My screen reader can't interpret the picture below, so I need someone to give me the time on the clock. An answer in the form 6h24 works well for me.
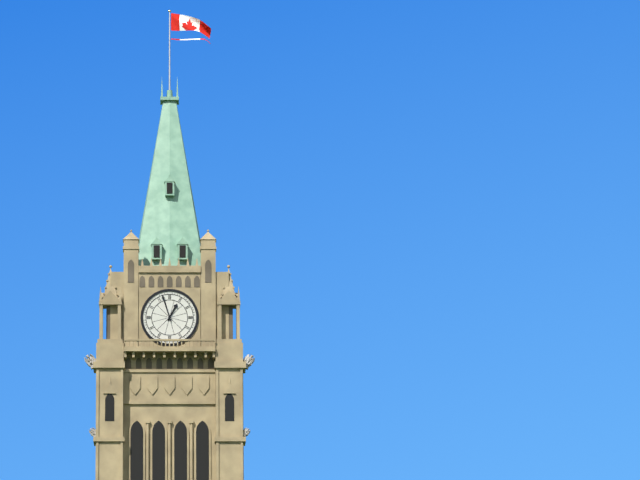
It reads 12h57
